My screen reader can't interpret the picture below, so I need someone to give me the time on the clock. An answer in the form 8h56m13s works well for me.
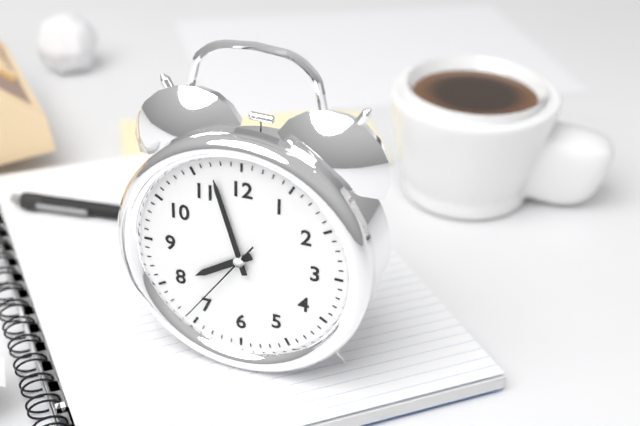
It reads 7h57m36s
